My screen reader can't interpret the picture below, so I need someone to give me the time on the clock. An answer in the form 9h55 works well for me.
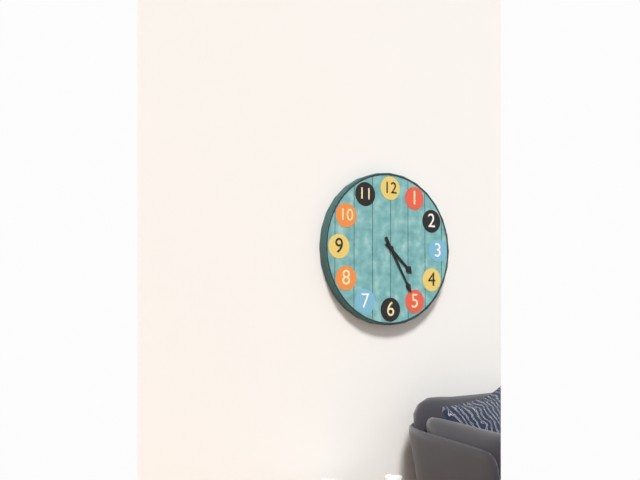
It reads 4h25
